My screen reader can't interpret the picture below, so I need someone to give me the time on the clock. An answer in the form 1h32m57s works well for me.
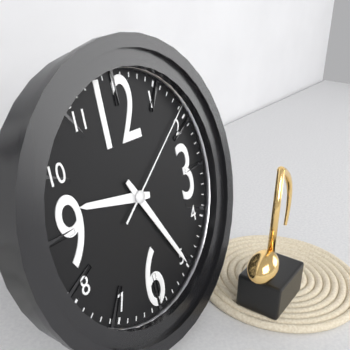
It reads 9h25m09s
